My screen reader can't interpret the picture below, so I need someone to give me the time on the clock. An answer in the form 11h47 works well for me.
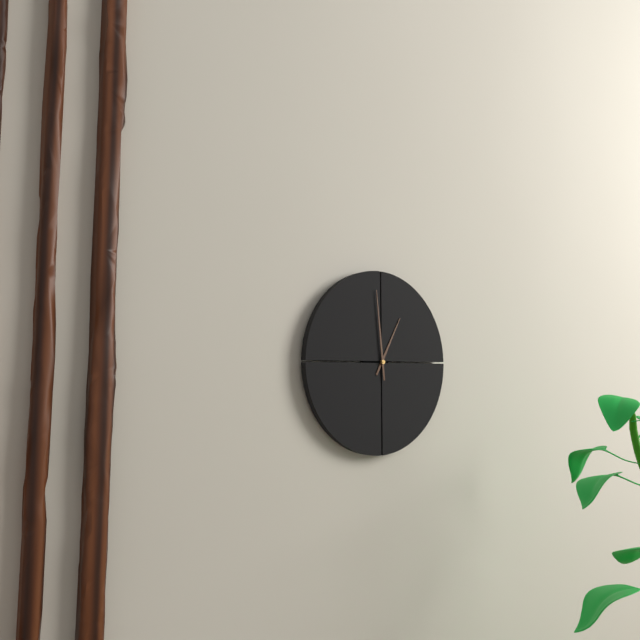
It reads 12h59
